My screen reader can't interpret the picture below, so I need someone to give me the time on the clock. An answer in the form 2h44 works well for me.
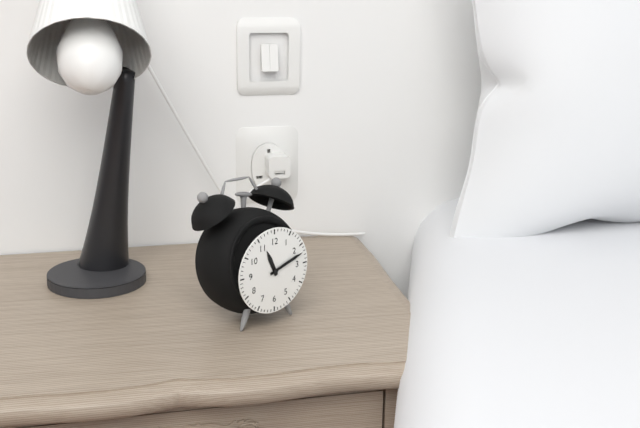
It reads 11h12
